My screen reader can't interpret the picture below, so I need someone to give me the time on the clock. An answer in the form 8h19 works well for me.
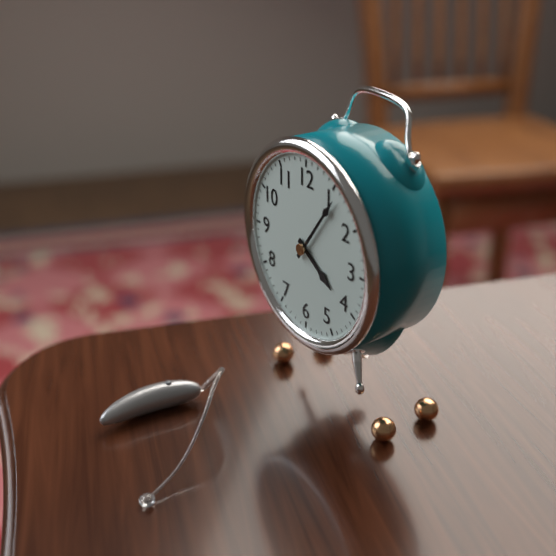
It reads 4h06
